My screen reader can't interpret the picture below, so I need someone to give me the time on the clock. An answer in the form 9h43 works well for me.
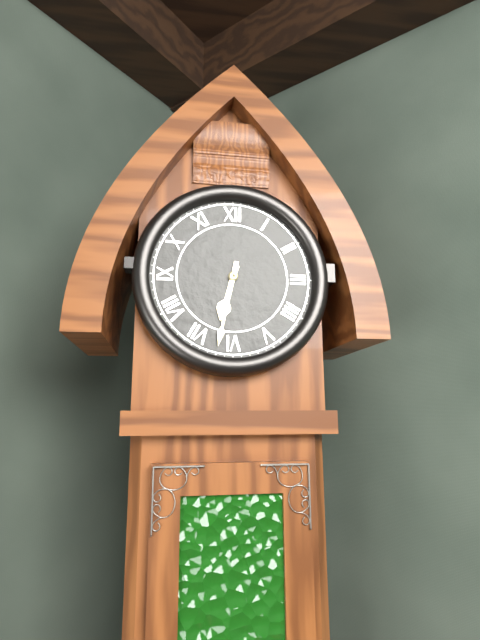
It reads 6h32
